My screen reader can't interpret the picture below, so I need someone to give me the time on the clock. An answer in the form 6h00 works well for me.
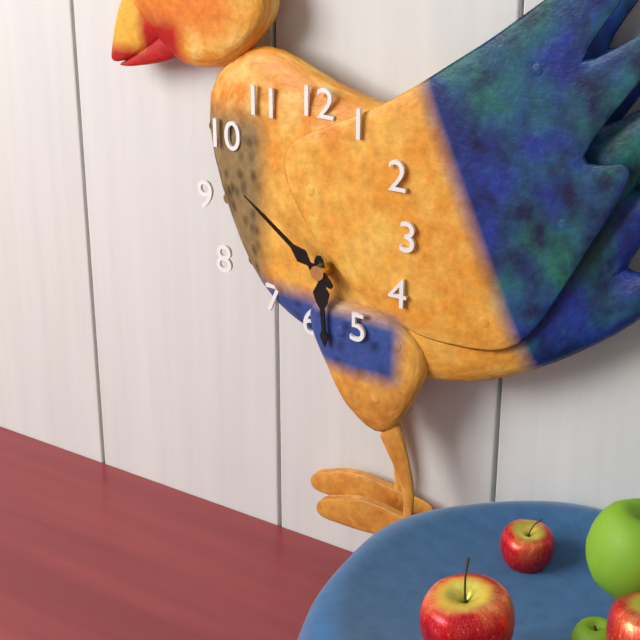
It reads 5h51
